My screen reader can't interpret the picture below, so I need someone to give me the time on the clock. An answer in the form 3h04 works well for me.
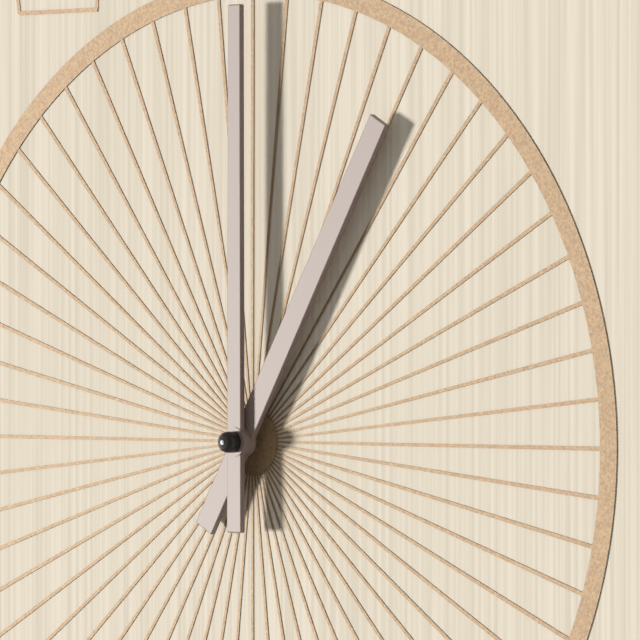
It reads 1h00
